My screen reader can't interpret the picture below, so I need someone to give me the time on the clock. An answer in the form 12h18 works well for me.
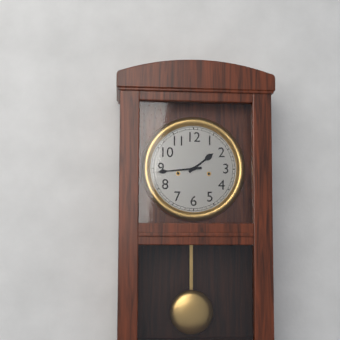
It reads 1h44
